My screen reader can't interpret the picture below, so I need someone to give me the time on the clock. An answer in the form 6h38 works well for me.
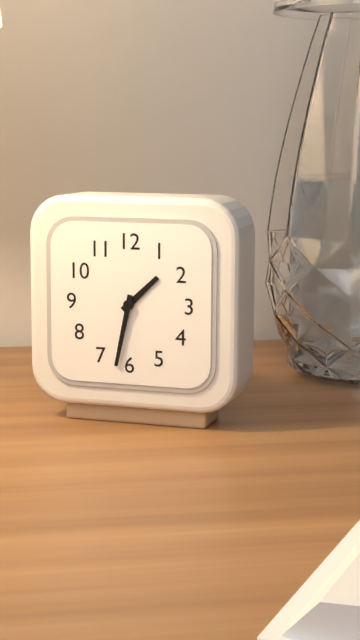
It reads 1h32
